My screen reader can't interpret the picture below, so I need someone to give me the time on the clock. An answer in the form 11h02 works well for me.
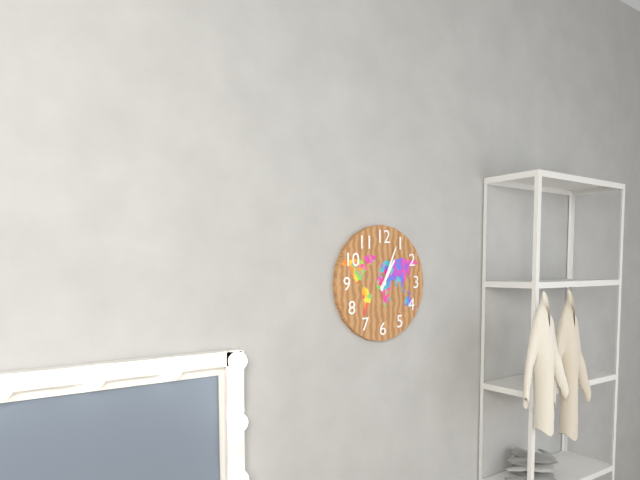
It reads 1h04
